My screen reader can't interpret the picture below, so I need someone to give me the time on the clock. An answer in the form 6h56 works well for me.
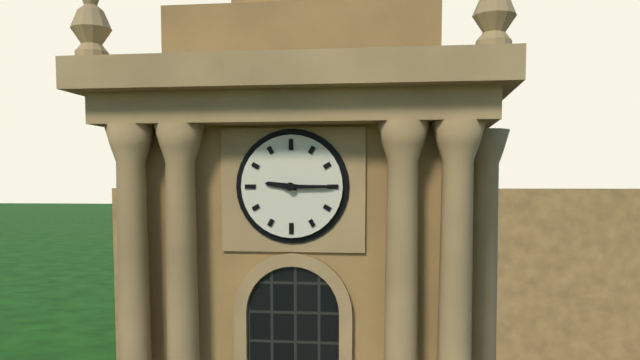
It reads 9h15
